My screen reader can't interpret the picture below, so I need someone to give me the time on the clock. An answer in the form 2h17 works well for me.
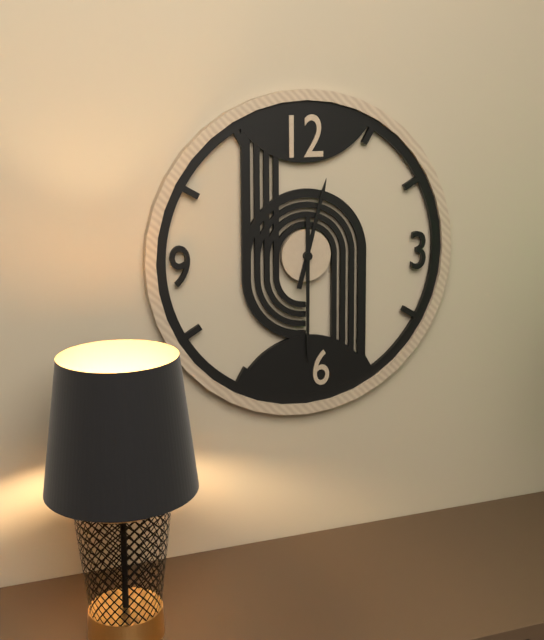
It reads 12h30
